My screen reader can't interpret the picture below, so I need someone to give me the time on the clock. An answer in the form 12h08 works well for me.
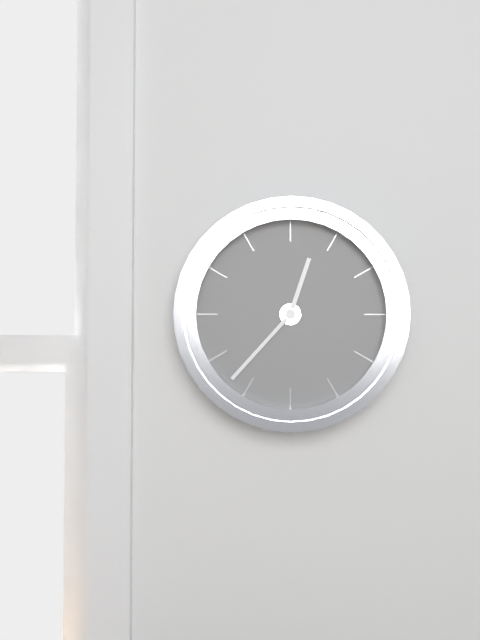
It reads 12h37
